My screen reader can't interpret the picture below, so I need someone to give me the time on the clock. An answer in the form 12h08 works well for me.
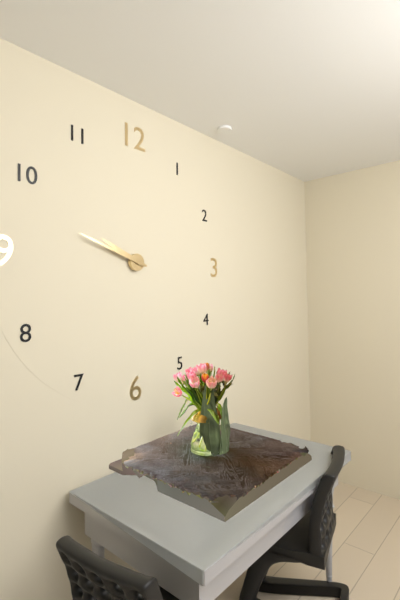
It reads 9h48
